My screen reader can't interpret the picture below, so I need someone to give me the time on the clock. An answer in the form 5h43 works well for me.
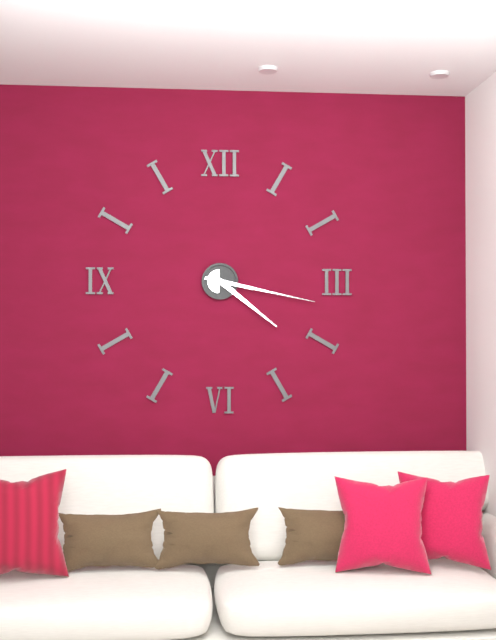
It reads 4h17
